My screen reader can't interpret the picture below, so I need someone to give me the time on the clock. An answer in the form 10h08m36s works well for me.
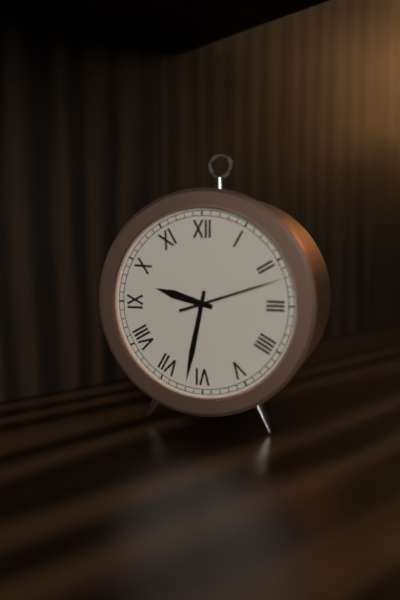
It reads 9h32m12s
